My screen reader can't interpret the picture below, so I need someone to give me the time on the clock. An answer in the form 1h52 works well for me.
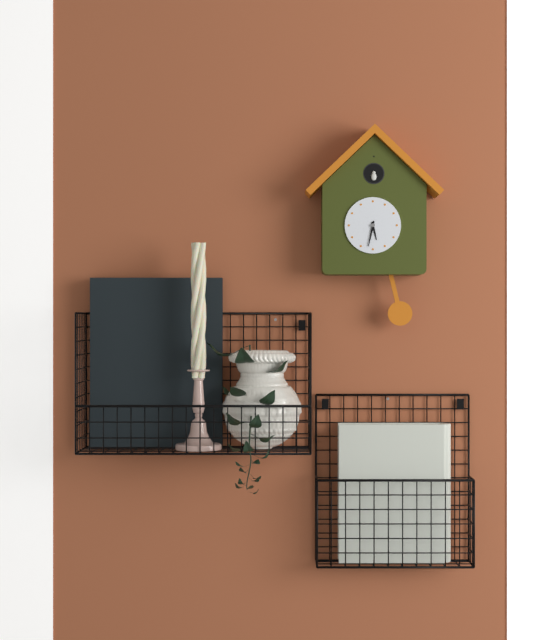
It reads 5h32
